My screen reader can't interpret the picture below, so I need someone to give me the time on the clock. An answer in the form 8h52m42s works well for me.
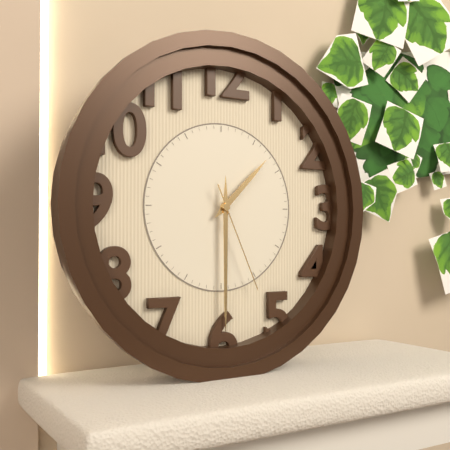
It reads 1h30m26s
